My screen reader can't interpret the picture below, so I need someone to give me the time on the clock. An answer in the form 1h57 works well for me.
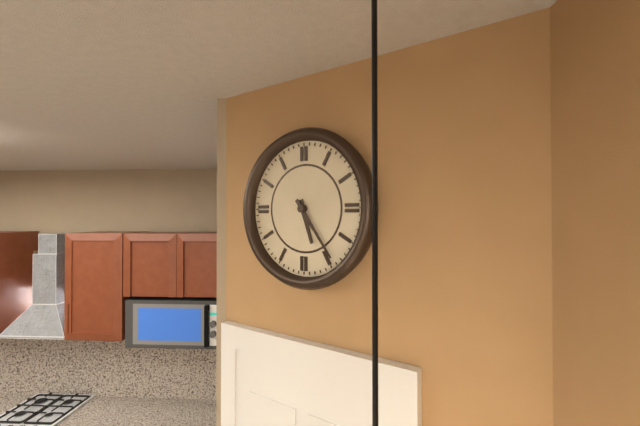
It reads 5h24
